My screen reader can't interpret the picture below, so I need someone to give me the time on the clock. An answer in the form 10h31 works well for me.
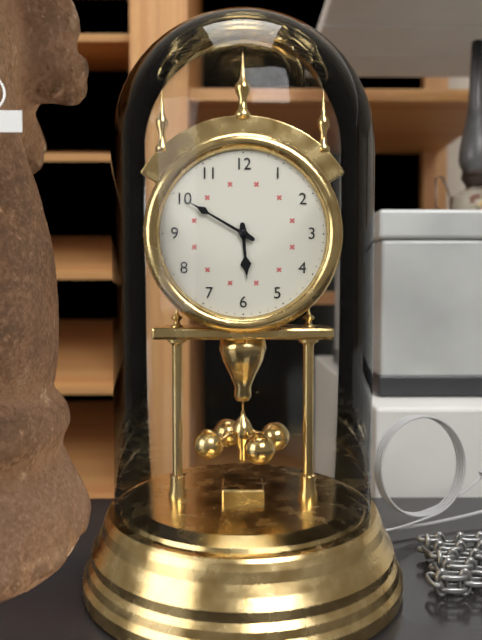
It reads 5h50
